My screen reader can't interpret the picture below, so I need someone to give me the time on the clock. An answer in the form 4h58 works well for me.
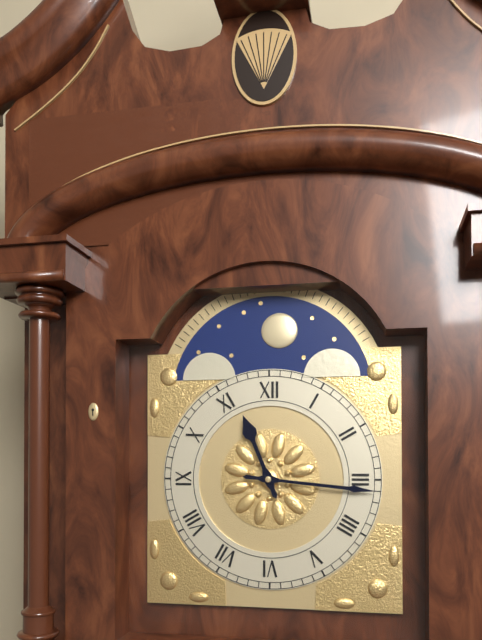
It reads 11h16
